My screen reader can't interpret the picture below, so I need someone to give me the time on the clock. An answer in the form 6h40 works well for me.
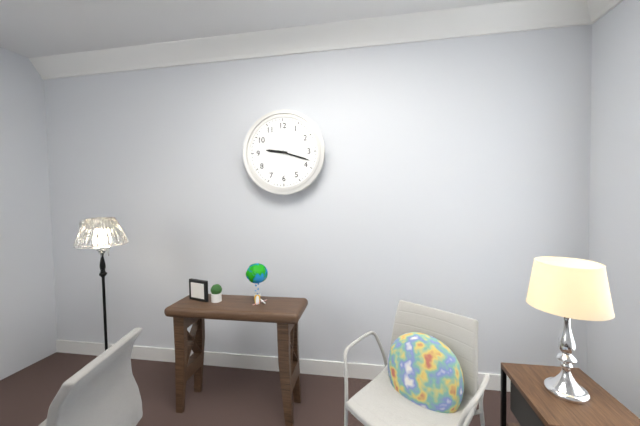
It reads 9h18
